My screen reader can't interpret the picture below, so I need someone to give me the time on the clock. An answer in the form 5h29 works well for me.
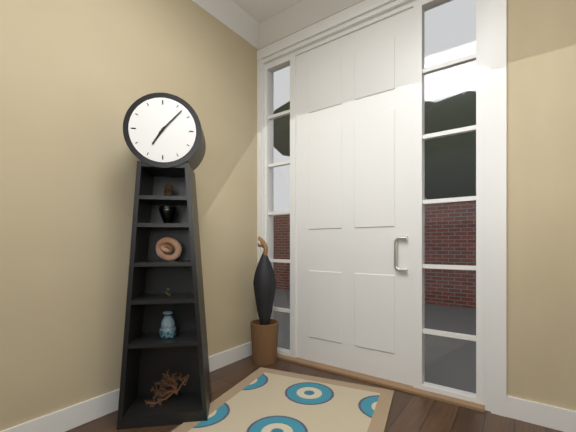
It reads 7h07
